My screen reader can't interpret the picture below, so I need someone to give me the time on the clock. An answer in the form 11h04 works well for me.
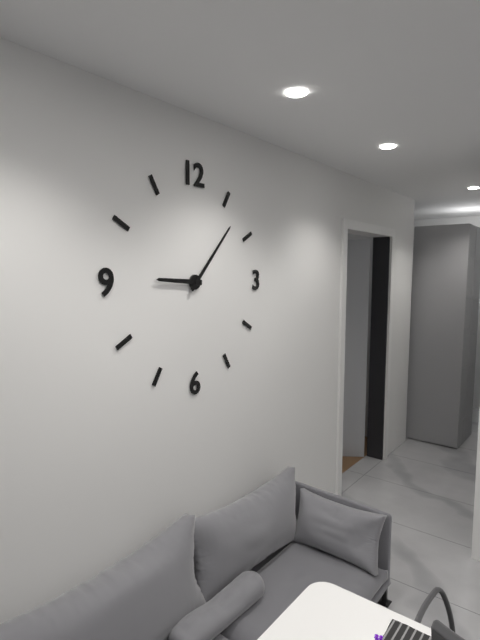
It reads 9h07
